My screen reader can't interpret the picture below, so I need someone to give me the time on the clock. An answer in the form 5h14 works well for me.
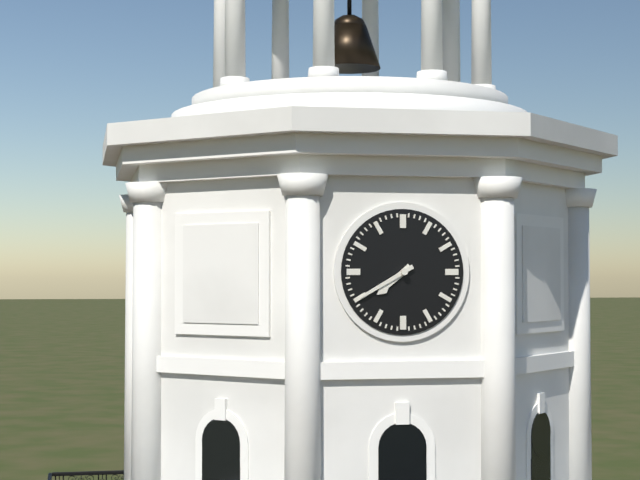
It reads 7h40
